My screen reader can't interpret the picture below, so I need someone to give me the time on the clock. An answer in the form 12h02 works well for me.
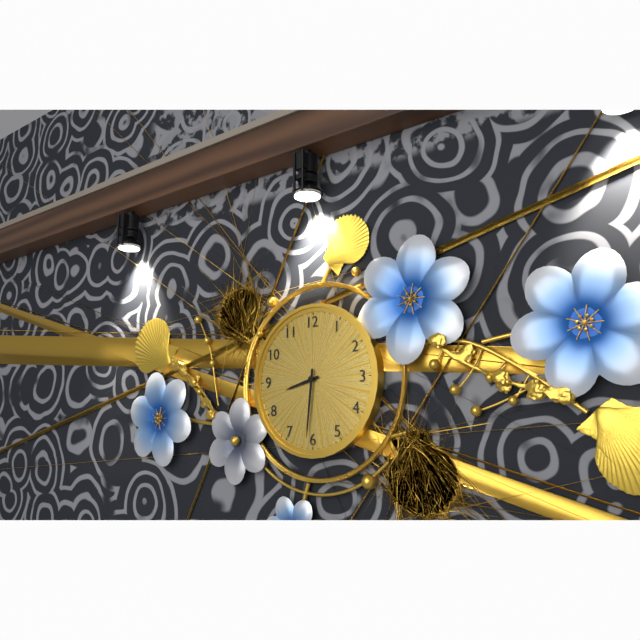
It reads 8h31
